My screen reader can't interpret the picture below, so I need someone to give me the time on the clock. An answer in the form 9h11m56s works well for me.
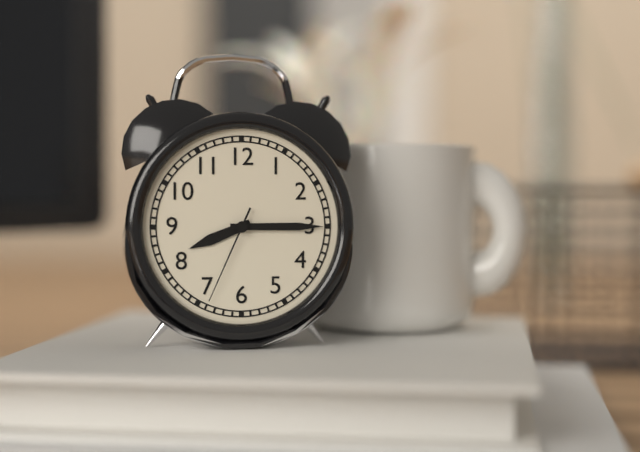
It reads 8h15m34s
